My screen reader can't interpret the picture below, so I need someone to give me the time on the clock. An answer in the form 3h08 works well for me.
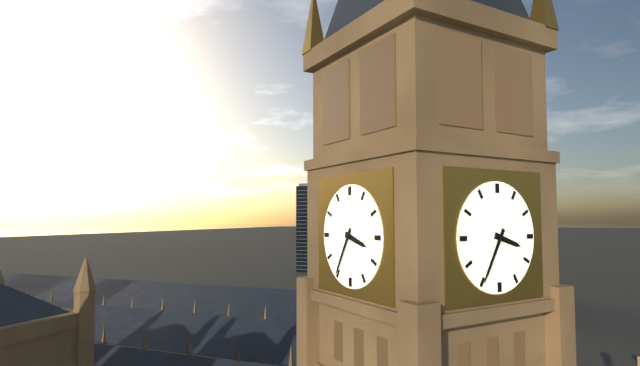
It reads 3h35
